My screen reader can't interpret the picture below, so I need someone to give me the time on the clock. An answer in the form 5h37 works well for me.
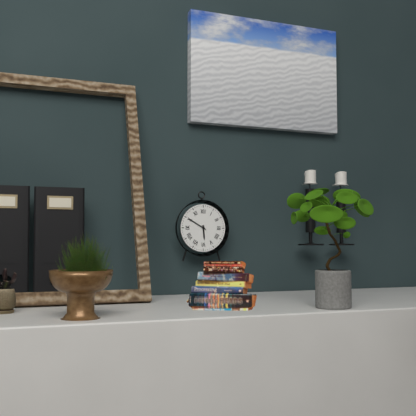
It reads 5h50
